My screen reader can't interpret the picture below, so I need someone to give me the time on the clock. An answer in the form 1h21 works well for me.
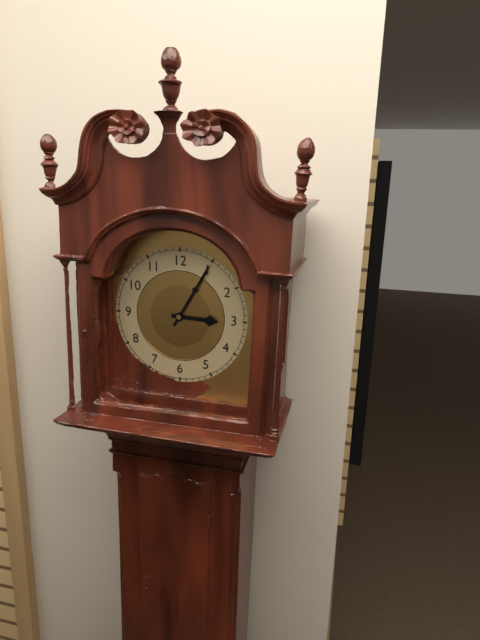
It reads 3h05
